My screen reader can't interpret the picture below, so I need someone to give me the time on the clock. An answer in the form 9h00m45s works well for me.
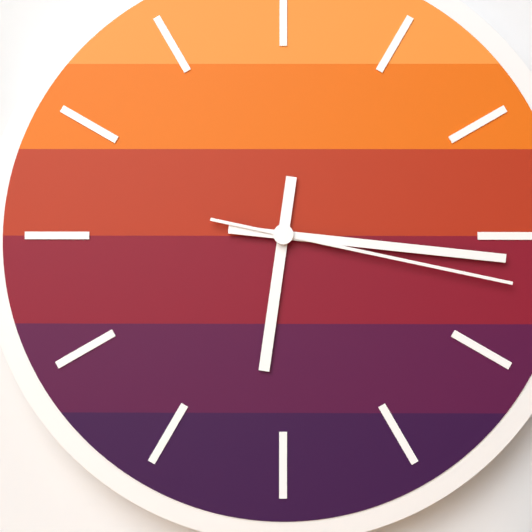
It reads 6h16m17s
